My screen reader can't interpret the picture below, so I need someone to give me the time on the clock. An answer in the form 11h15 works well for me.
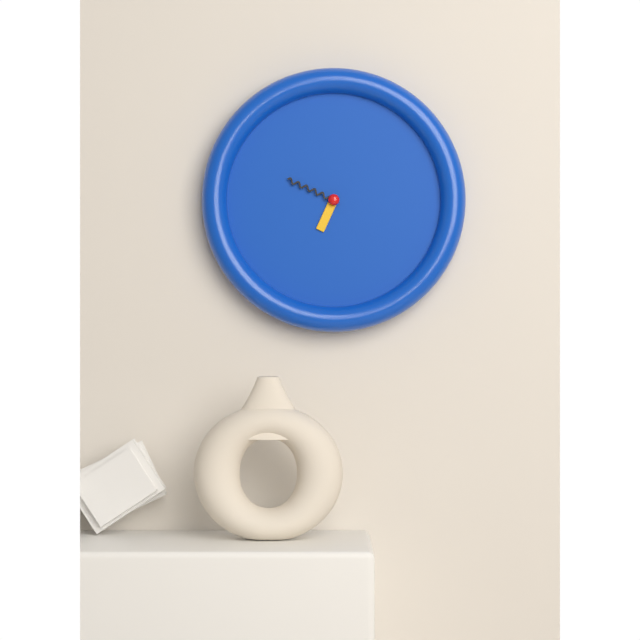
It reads 6h49
